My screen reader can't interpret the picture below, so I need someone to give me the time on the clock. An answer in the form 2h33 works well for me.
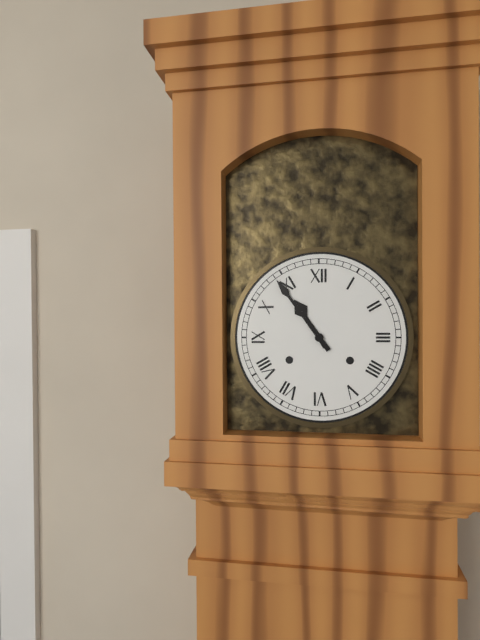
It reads 10h54
